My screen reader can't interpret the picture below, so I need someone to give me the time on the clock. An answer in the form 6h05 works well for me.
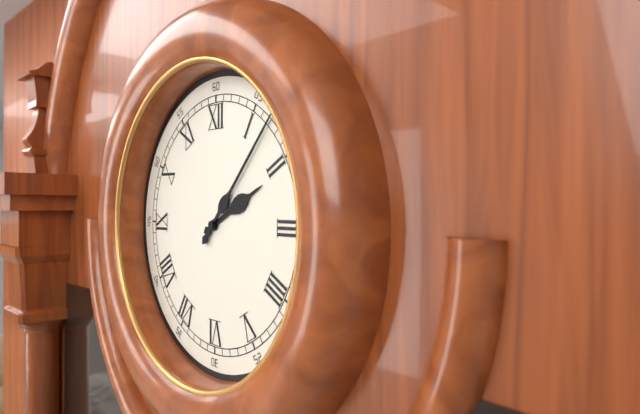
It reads 2h07
